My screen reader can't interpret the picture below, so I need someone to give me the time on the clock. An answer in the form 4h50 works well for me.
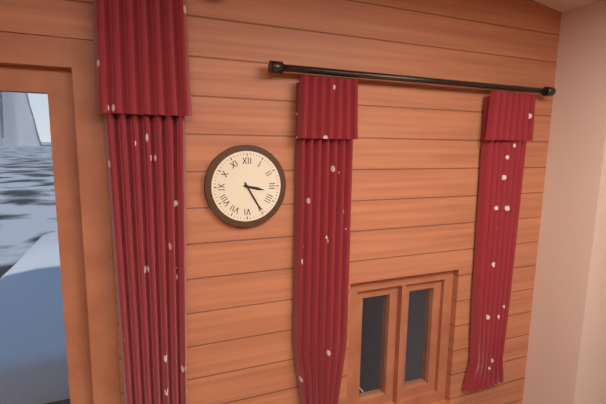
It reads 3h25
